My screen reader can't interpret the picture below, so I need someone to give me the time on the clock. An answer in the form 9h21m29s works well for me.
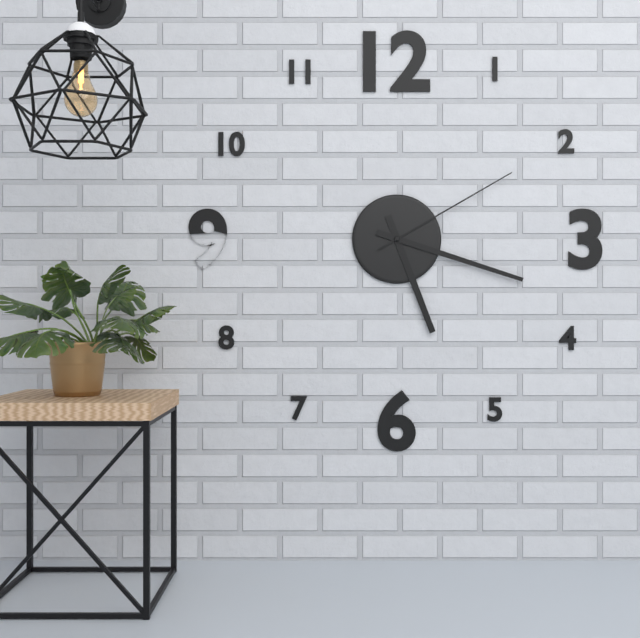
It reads 5h18m10s
